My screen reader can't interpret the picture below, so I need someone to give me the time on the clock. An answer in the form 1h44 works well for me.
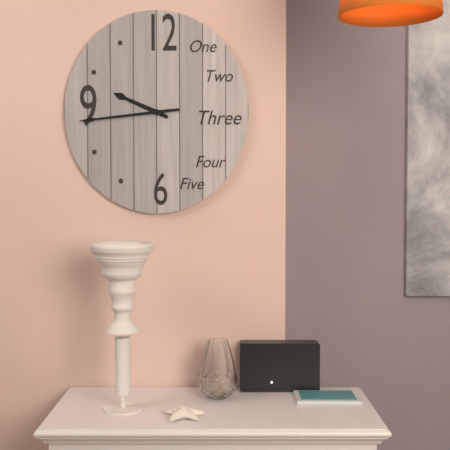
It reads 9h44
